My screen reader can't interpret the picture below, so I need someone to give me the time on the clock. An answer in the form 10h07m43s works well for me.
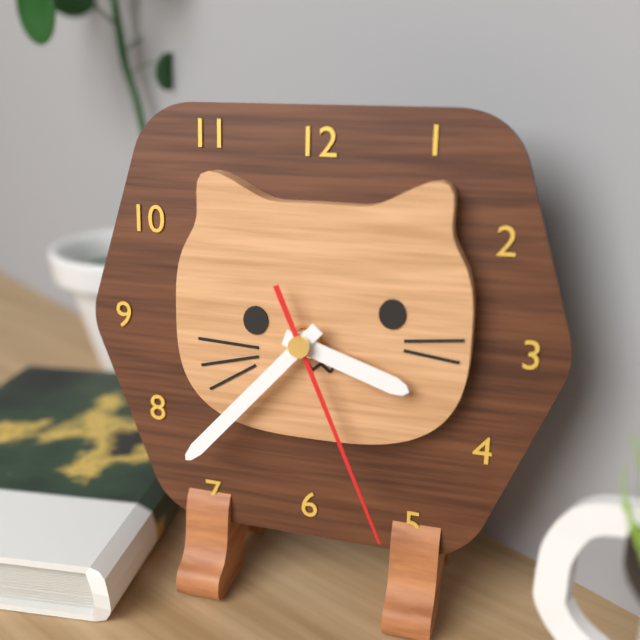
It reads 3h37m26s
